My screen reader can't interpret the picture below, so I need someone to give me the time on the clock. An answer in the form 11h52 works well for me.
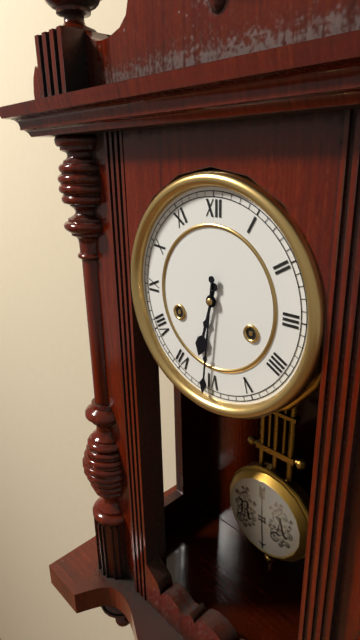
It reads 6h31
